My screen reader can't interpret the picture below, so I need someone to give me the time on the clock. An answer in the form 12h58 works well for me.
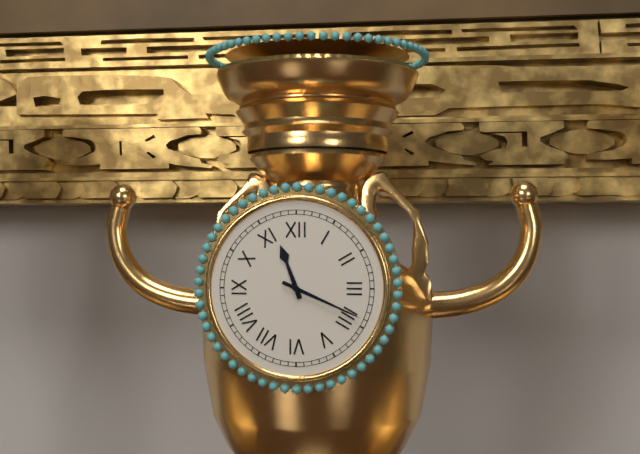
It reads 11h19
